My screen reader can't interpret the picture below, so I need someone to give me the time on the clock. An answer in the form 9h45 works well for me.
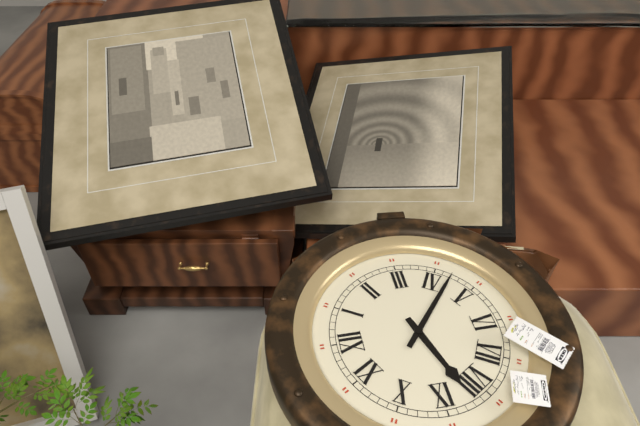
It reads 8h22
